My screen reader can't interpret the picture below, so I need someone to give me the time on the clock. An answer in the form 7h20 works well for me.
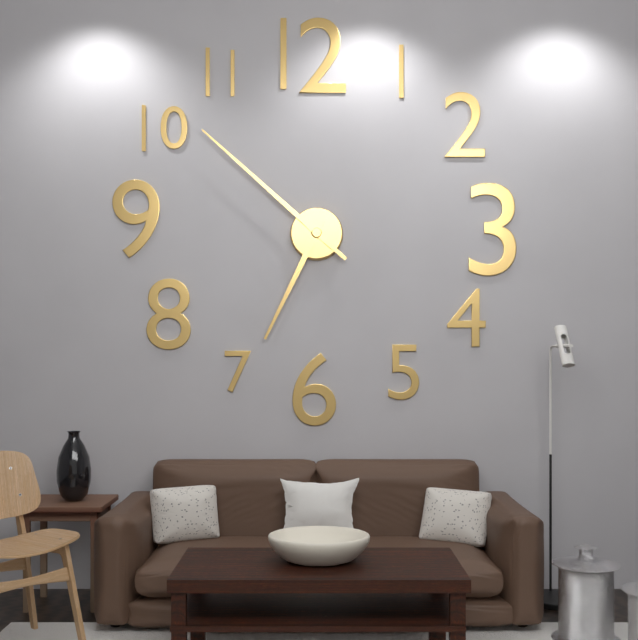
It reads 6h52
